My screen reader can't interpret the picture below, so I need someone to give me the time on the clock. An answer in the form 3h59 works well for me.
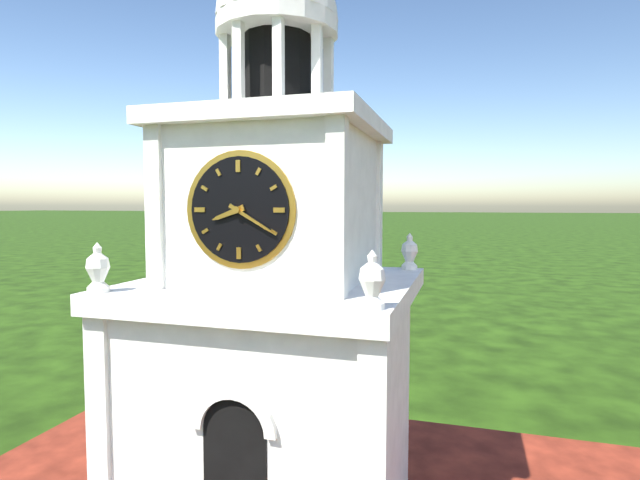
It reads 8h20
